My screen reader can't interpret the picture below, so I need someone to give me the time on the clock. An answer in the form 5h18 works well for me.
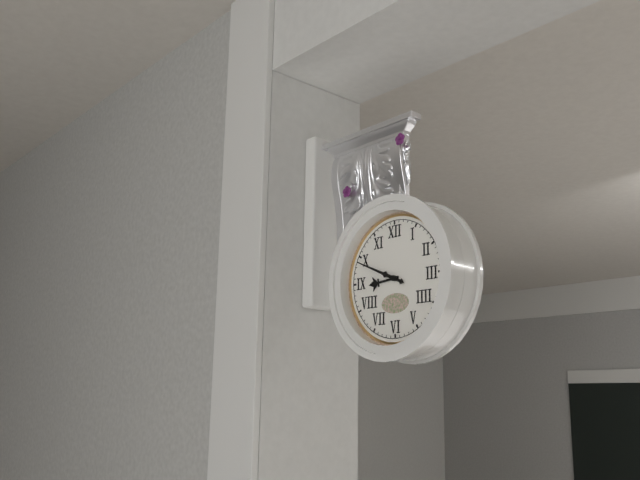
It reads 8h49
